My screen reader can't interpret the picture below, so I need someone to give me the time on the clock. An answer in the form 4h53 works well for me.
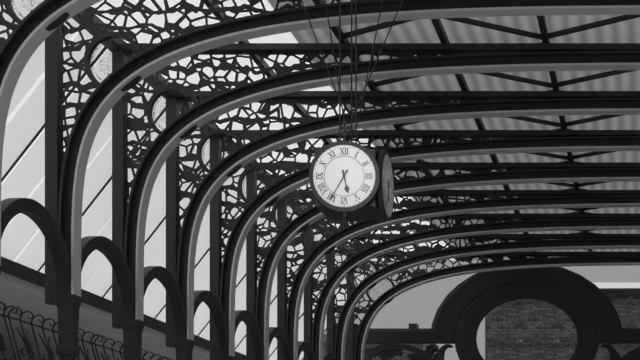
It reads 5h35
